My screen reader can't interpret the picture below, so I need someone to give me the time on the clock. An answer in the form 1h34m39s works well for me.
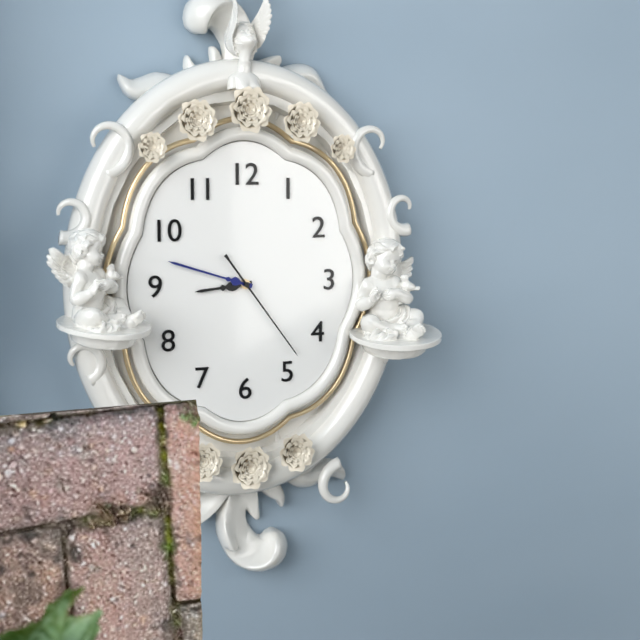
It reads 8h48m24s
